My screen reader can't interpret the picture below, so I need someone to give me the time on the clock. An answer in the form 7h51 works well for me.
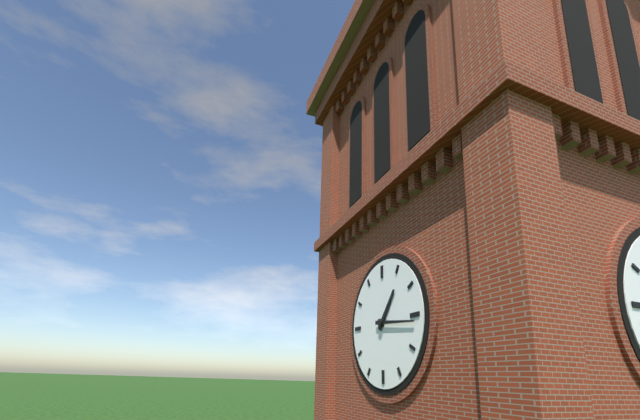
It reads 1h16
